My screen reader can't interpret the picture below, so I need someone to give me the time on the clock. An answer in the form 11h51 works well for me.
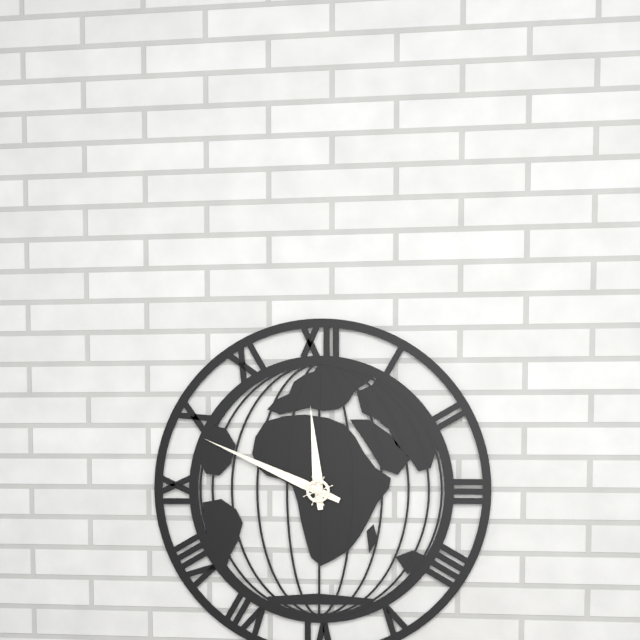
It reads 11h49
